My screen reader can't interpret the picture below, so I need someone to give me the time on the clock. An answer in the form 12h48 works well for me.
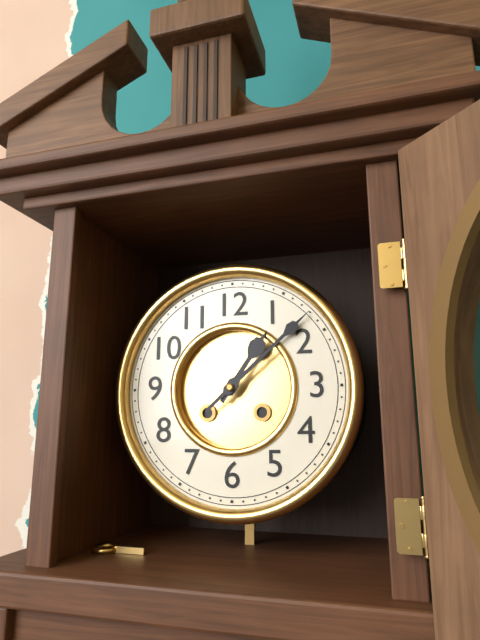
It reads 1h08
